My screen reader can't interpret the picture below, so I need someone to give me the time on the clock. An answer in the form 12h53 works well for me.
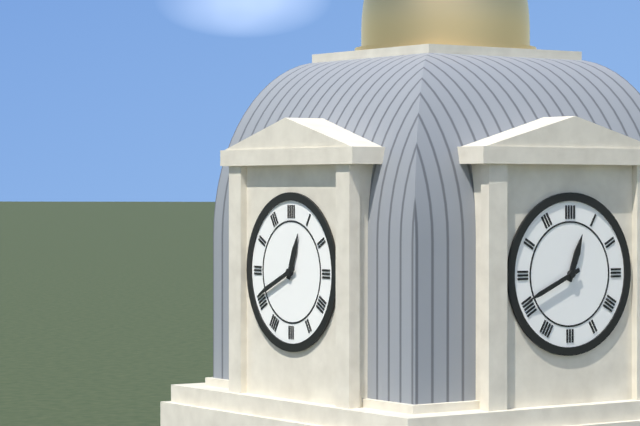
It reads 12h41
